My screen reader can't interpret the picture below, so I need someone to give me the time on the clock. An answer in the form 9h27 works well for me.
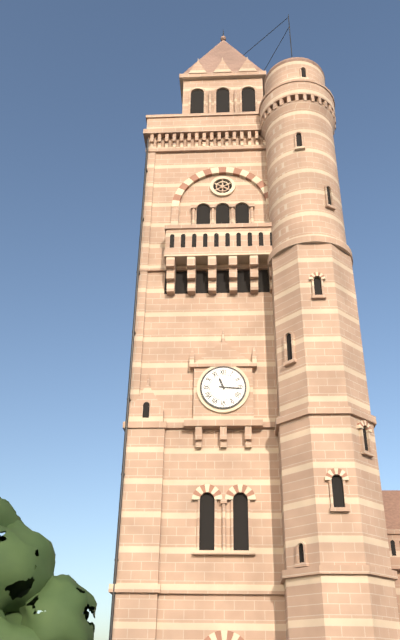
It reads 11h16
